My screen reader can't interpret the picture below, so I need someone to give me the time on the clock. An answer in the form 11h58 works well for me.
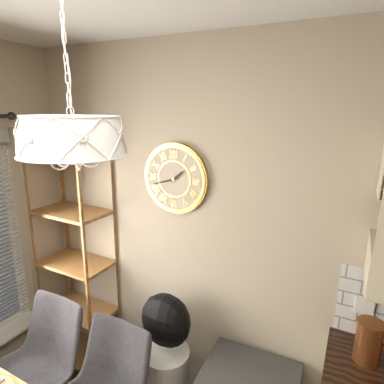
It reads 1h42
